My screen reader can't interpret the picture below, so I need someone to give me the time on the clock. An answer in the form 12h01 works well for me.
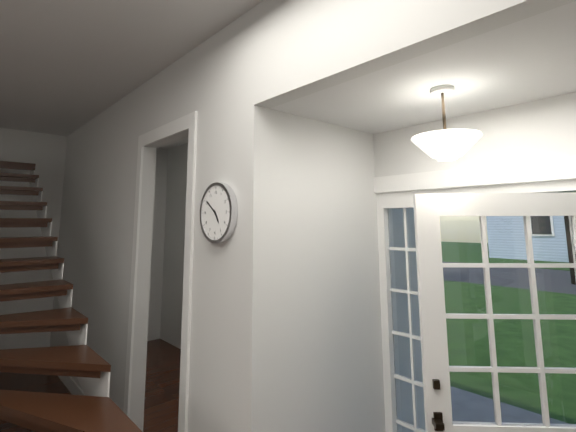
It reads 4h51
